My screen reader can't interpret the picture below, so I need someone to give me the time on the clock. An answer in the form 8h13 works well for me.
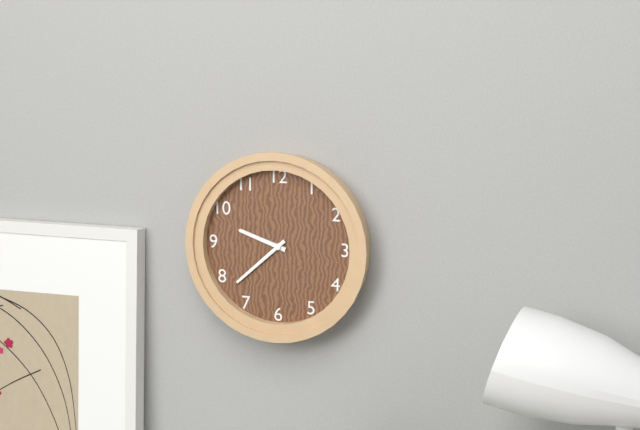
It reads 9h38
